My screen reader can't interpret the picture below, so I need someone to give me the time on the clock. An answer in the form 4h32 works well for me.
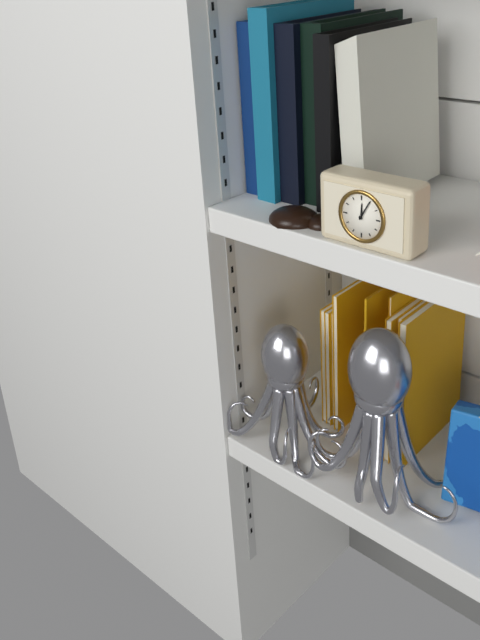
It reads 12h05
